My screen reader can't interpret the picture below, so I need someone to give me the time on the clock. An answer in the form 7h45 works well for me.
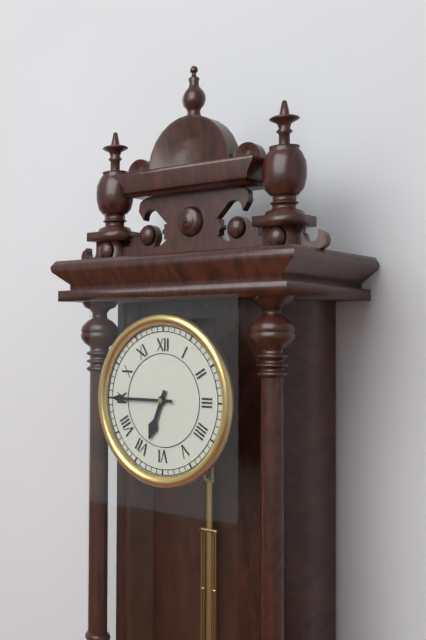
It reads 6h45
